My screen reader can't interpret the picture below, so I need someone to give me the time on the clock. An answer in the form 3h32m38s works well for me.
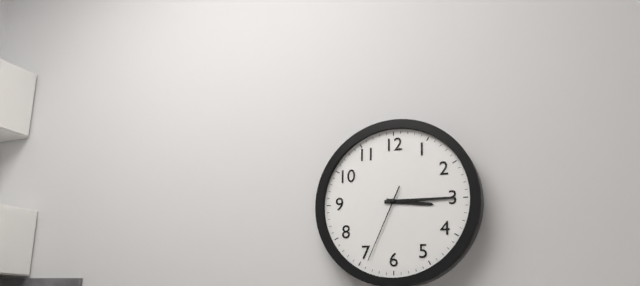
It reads 3h15m34s
